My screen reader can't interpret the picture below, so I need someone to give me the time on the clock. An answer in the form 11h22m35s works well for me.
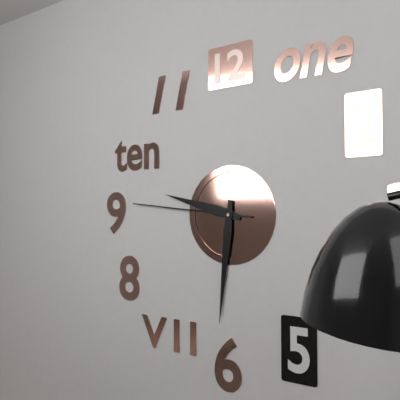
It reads 9h31m46s
